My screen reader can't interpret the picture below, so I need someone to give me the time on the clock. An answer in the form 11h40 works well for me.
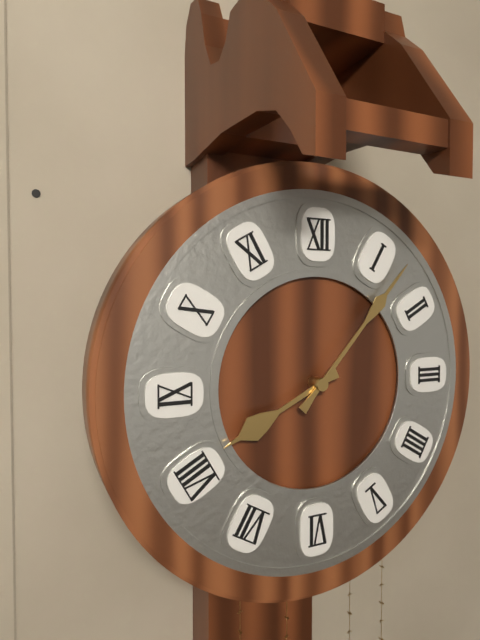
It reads 8h07
